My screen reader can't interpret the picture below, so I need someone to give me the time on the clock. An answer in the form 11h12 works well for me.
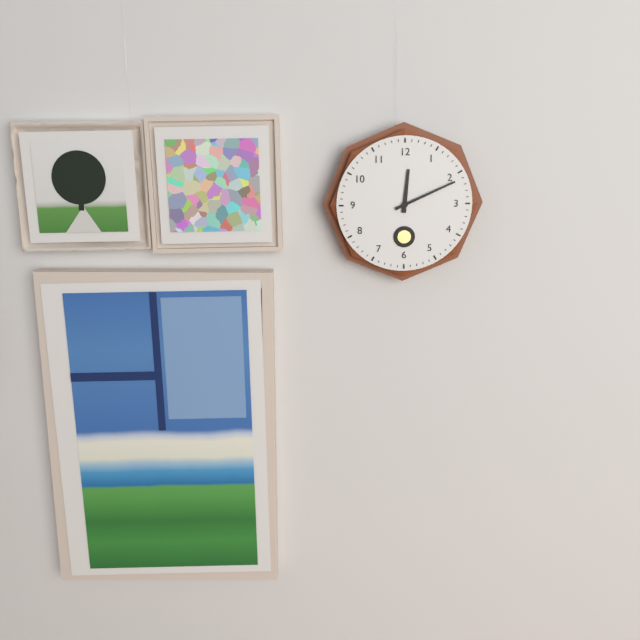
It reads 12h11
